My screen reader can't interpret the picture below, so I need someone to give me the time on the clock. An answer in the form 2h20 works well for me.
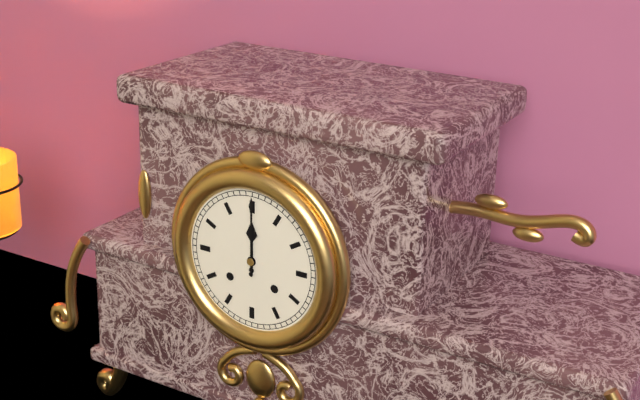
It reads 12h00
